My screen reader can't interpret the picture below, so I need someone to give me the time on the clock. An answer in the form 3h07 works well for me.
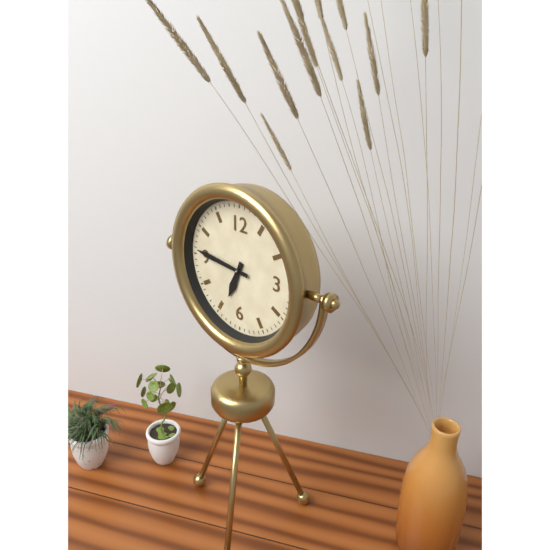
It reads 6h46
